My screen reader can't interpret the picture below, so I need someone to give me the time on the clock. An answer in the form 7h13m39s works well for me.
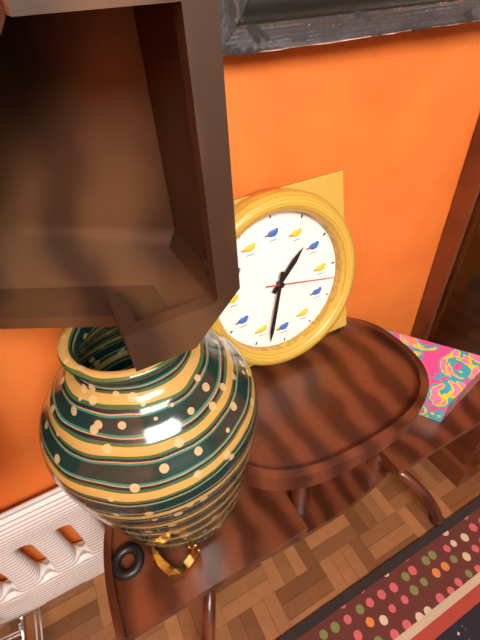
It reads 1h33m17s
